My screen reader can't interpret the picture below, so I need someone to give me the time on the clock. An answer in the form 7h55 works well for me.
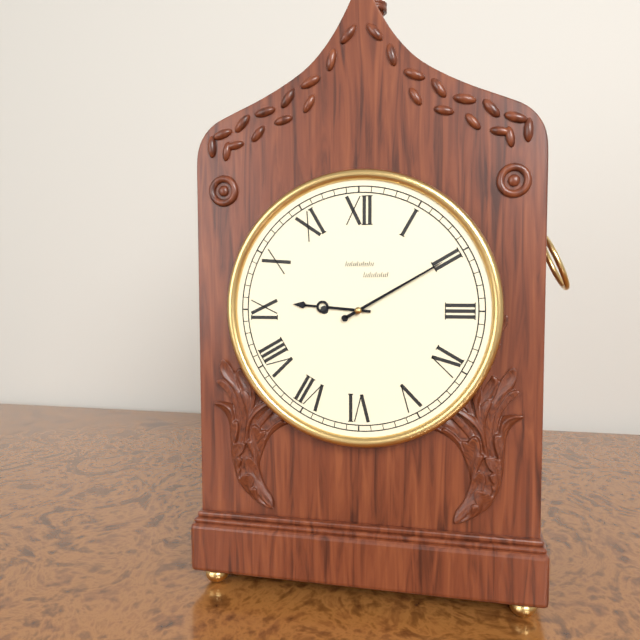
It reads 9h10
